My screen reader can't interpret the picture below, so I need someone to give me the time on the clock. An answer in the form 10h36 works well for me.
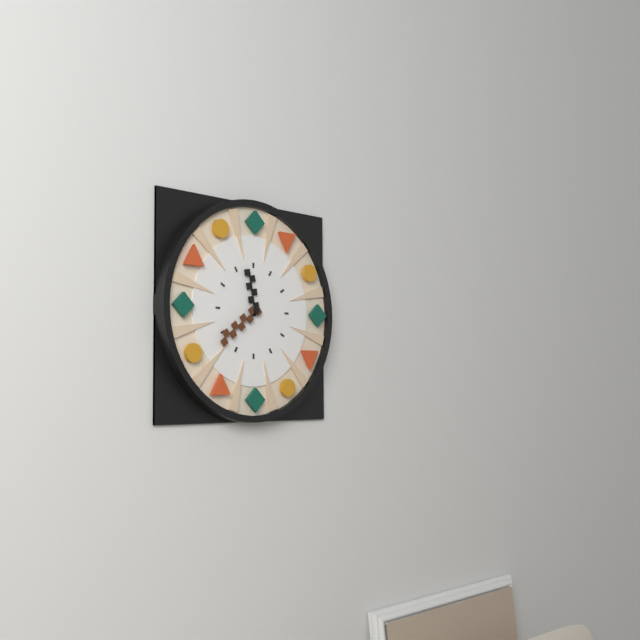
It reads 11h39
